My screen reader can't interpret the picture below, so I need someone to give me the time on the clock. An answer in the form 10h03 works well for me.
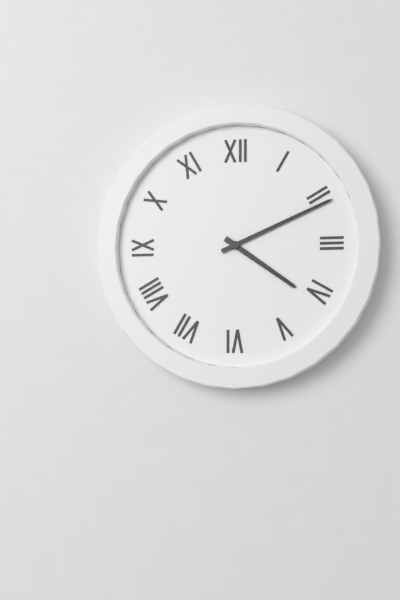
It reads 4h11
